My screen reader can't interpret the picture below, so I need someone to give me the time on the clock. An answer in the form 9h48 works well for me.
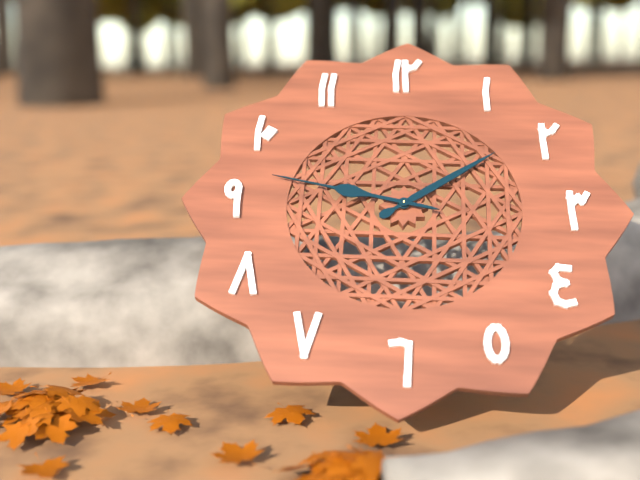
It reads 1h47
